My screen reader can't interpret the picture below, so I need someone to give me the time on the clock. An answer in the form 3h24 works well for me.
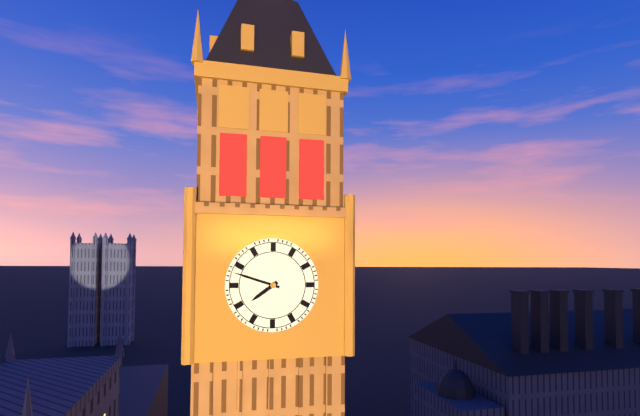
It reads 7h48
